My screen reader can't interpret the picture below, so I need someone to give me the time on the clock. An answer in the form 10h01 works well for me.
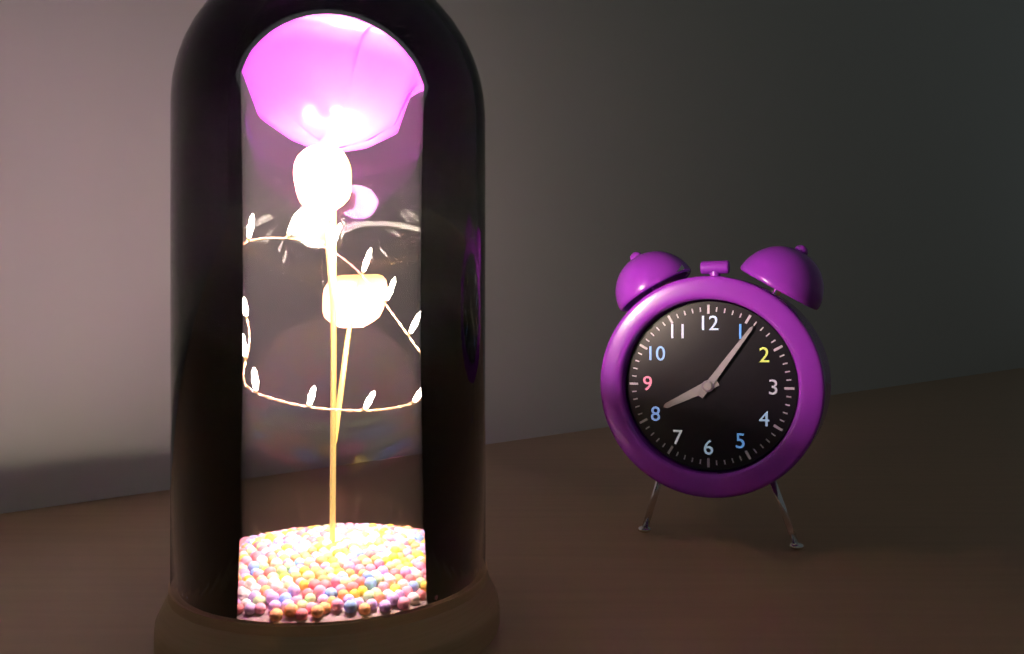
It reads 8h06
